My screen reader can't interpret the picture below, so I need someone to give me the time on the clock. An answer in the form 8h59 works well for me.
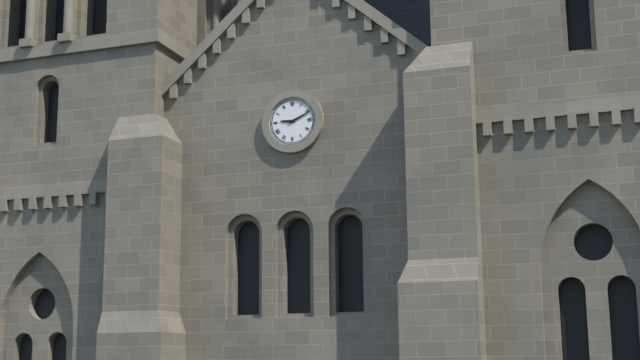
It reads 9h11
